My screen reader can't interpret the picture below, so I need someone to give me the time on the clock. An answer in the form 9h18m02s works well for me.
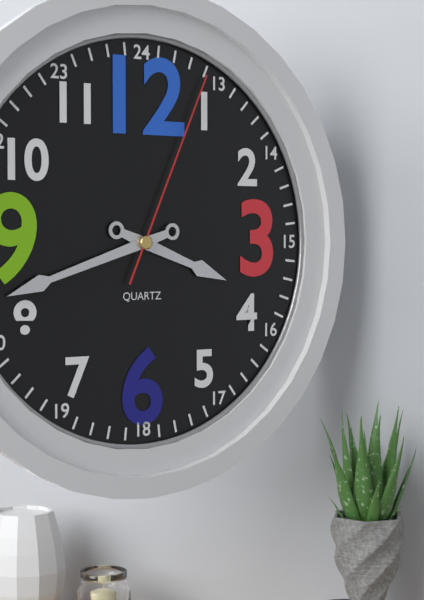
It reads 3h42m04s
